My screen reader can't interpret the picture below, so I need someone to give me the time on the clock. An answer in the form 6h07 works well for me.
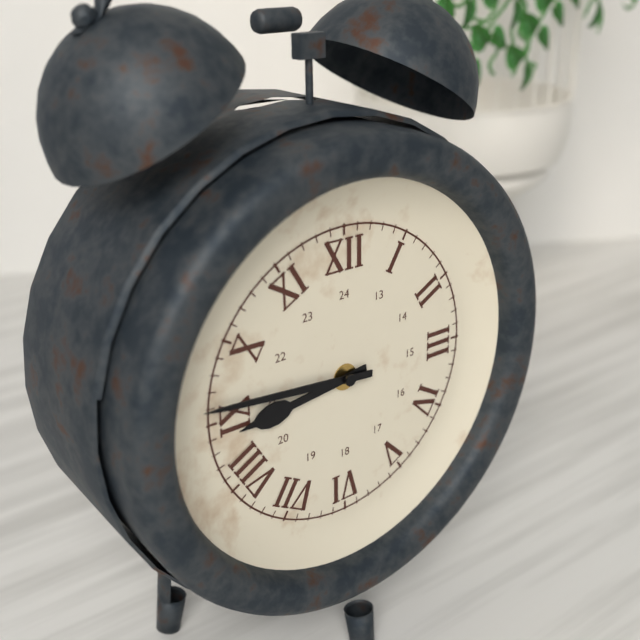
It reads 8h46
